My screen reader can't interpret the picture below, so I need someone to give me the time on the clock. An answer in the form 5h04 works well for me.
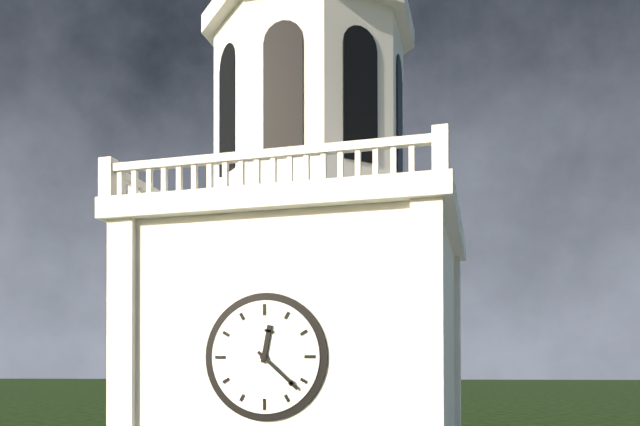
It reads 12h22
